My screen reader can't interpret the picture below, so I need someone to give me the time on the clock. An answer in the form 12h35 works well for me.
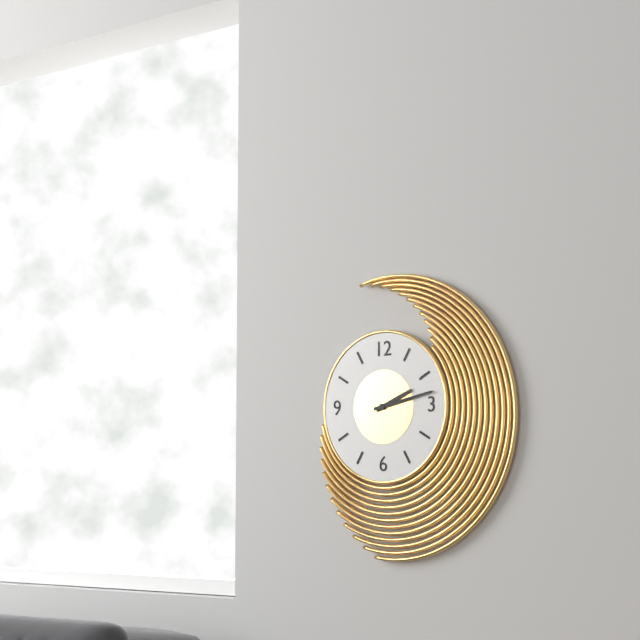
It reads 2h13
